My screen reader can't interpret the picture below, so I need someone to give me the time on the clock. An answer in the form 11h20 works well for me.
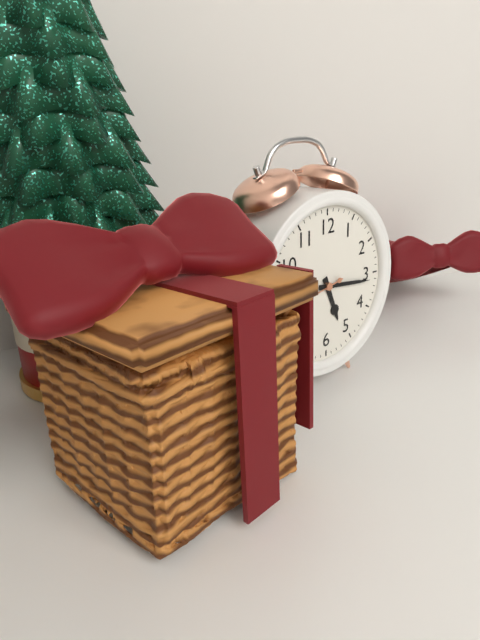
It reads 5h16
